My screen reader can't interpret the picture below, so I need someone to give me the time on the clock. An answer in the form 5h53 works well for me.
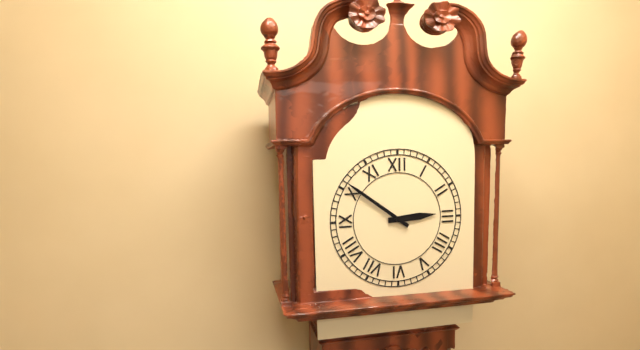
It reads 2h51
